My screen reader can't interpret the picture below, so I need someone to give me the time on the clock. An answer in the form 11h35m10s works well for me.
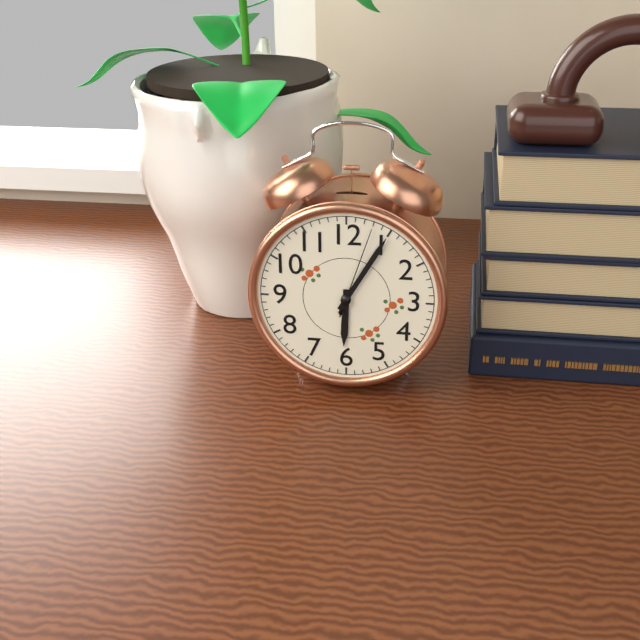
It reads 6h05m03s
